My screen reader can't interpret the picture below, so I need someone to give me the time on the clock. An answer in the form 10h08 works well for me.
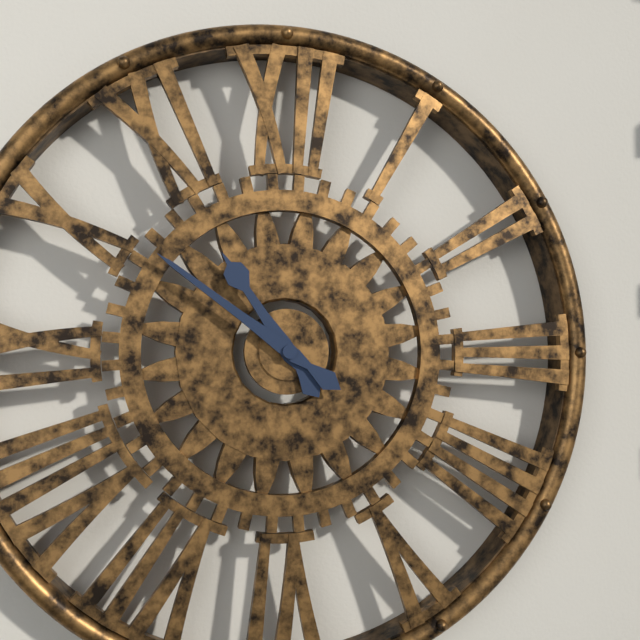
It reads 10h51
